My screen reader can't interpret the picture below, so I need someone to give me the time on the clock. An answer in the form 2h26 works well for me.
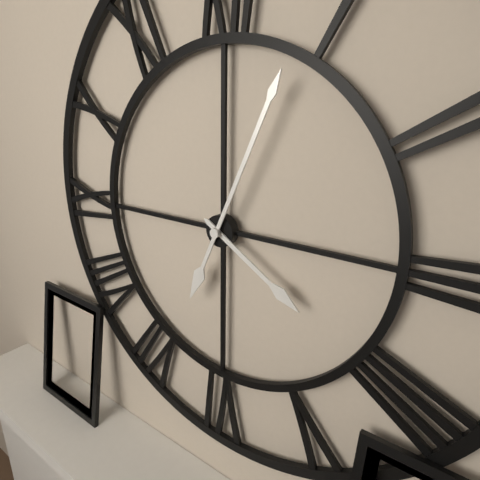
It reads 4h04
